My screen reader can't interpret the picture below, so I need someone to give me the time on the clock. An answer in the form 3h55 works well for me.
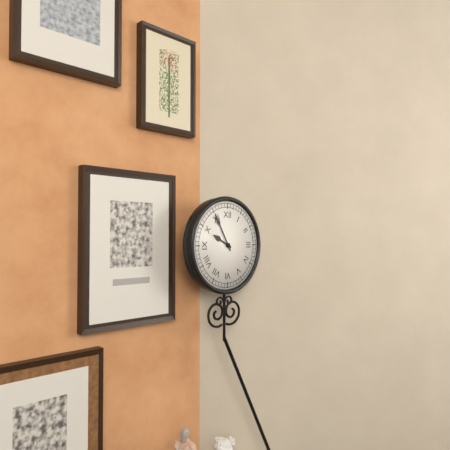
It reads 9h55
